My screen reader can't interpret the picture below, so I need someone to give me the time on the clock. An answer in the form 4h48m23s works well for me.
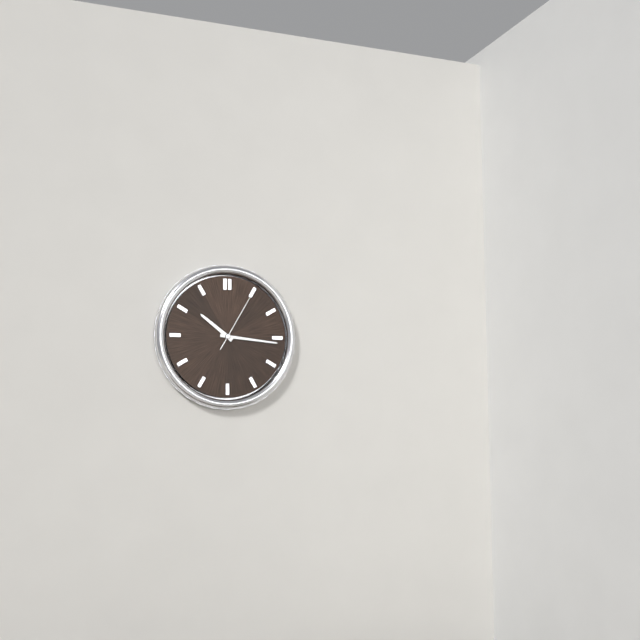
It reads 10h16m05s
